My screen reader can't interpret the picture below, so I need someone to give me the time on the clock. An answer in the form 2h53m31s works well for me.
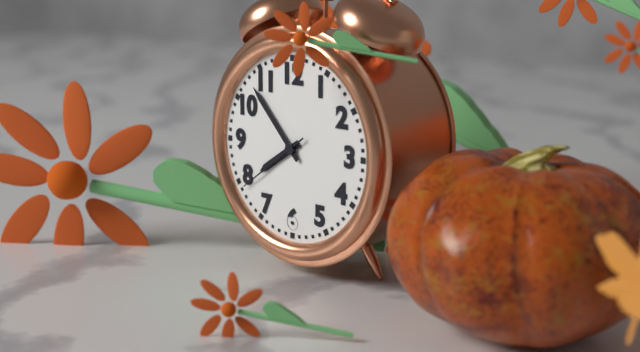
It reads 7h53m39s
